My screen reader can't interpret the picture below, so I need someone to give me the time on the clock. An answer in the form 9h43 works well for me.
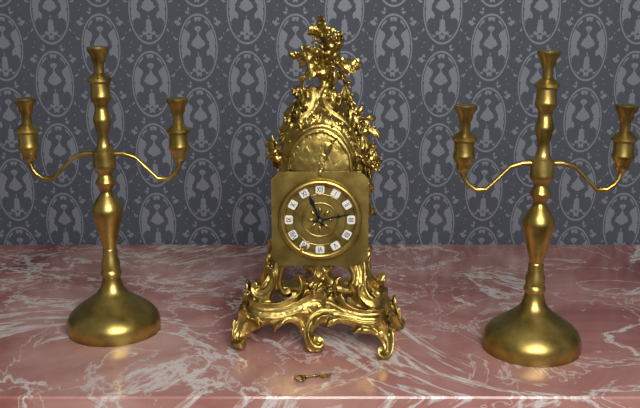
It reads 11h13
